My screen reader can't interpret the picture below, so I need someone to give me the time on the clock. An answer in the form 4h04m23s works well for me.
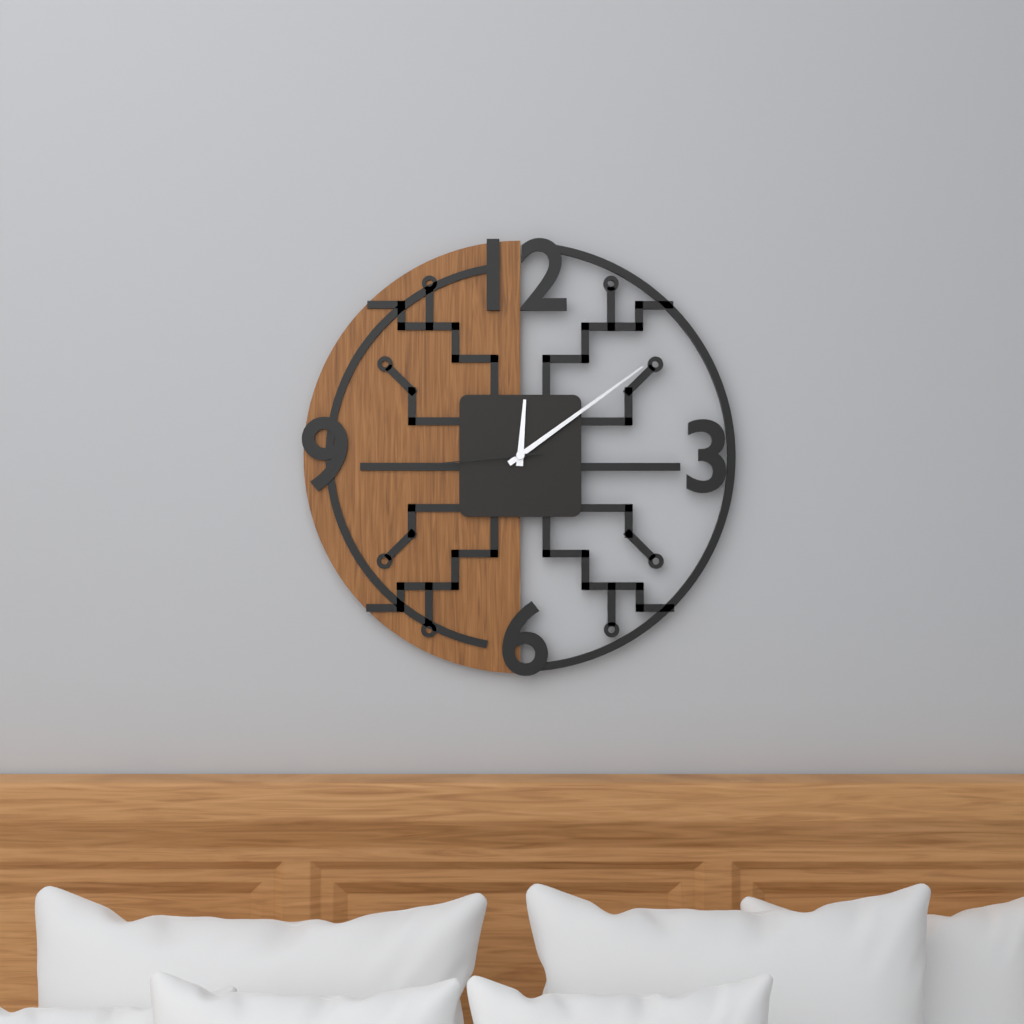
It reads 12h09m44s
